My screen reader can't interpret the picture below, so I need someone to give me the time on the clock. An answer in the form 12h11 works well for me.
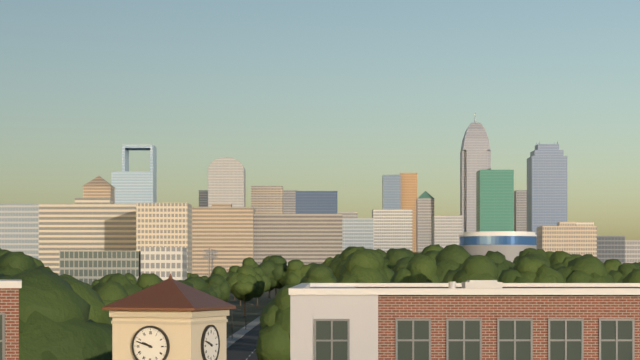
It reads 9h48
